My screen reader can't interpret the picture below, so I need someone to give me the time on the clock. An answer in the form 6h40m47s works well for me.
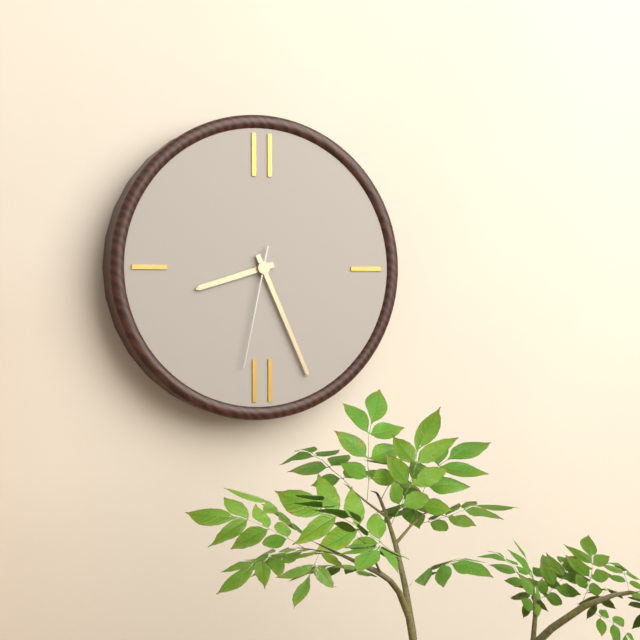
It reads 8h26m32s
